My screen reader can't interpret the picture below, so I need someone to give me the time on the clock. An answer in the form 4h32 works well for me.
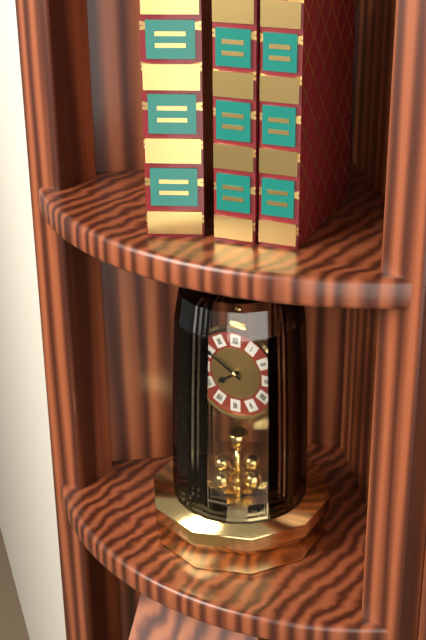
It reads 7h50
